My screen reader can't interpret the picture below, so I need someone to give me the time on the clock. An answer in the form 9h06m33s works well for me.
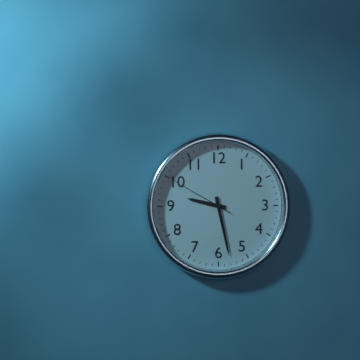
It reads 9h28m50s
